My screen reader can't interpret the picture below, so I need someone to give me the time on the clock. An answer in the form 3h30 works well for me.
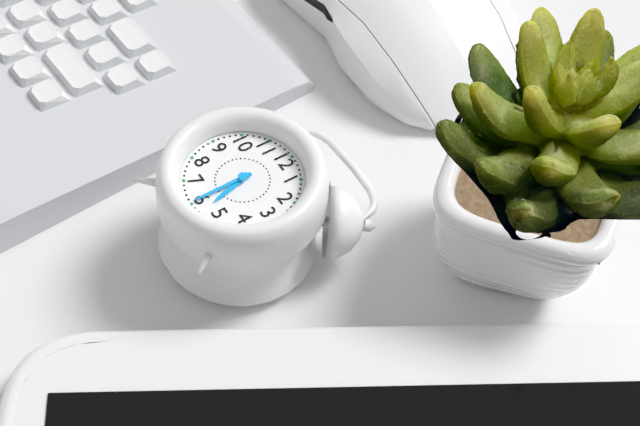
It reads 5h30
